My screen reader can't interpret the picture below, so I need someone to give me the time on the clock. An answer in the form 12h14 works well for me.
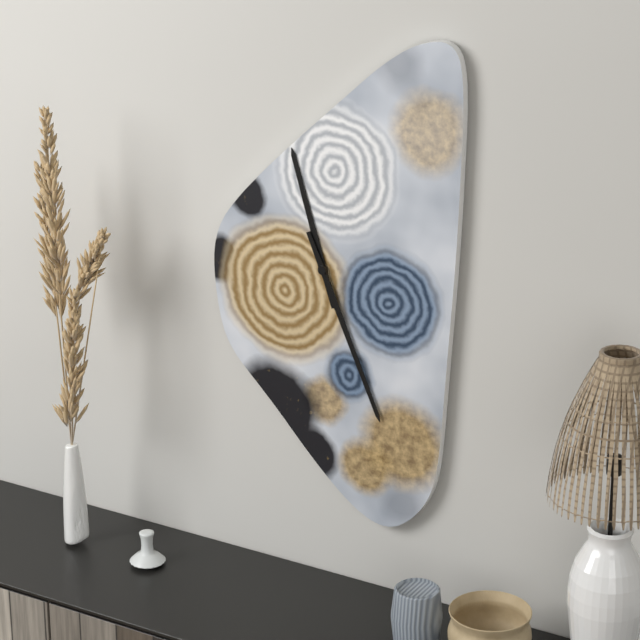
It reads 11h26
